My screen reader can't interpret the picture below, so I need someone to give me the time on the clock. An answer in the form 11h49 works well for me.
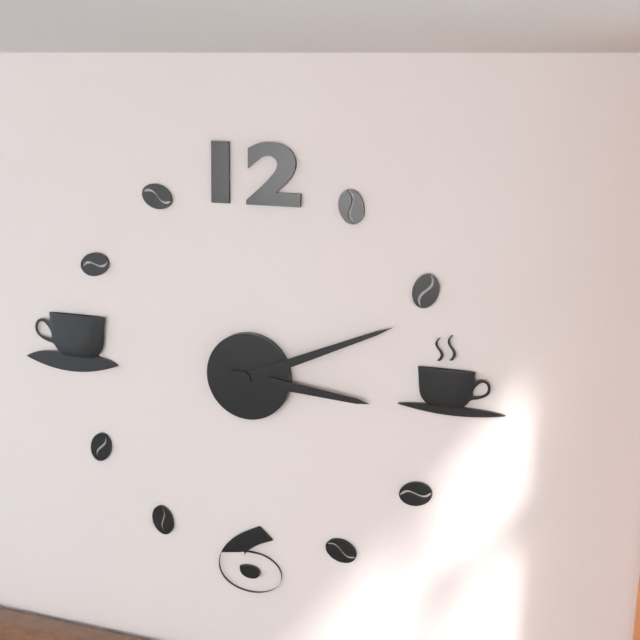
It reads 3h11
